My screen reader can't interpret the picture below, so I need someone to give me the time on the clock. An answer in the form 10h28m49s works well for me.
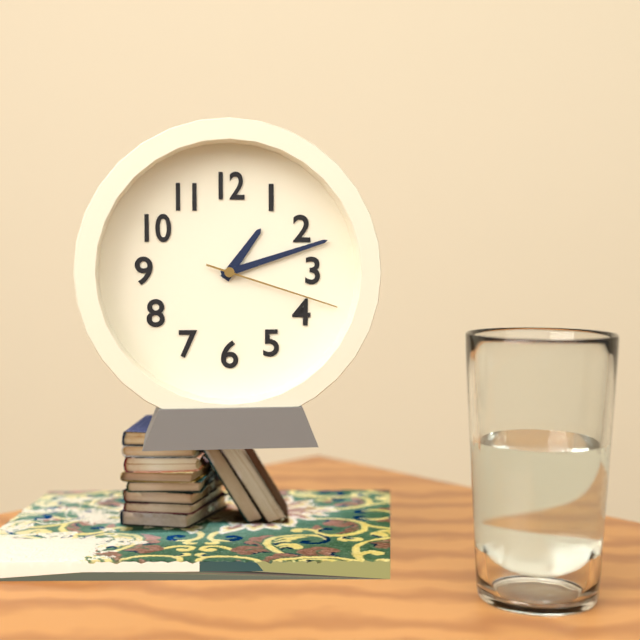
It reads 1h12m18s
